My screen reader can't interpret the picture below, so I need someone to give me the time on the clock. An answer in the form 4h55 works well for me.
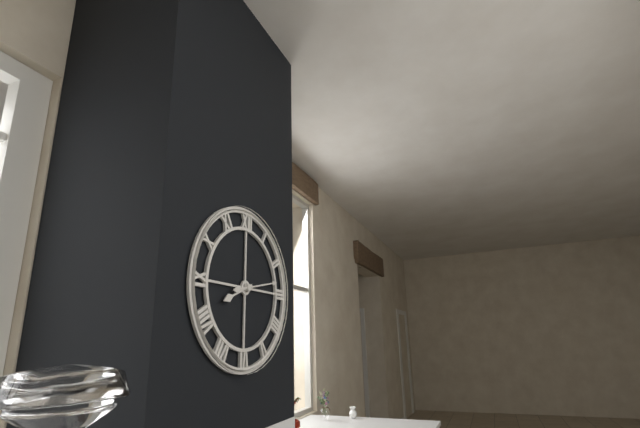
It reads 8h13
